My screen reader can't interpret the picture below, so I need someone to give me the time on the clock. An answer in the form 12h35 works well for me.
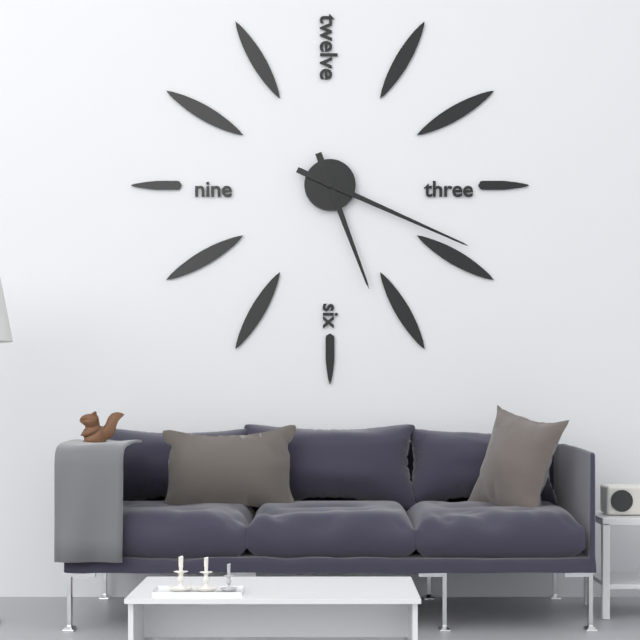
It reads 5h19
